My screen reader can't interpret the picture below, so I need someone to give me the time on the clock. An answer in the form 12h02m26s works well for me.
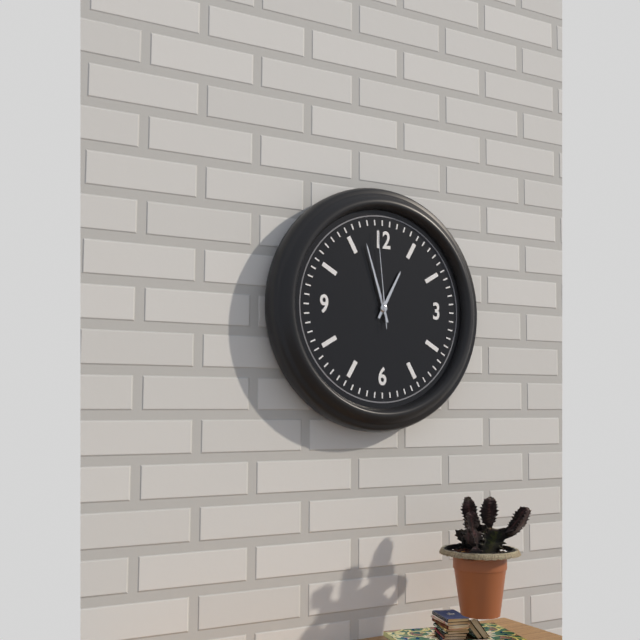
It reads 12h57m59s
